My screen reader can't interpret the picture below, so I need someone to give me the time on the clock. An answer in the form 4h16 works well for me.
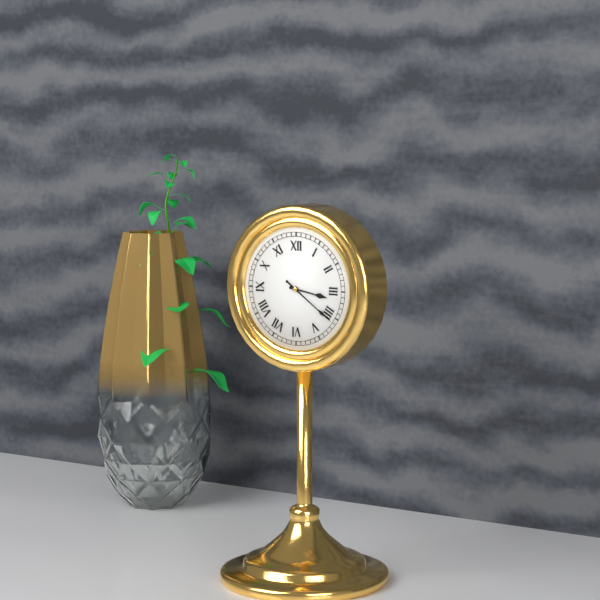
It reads 3h21
